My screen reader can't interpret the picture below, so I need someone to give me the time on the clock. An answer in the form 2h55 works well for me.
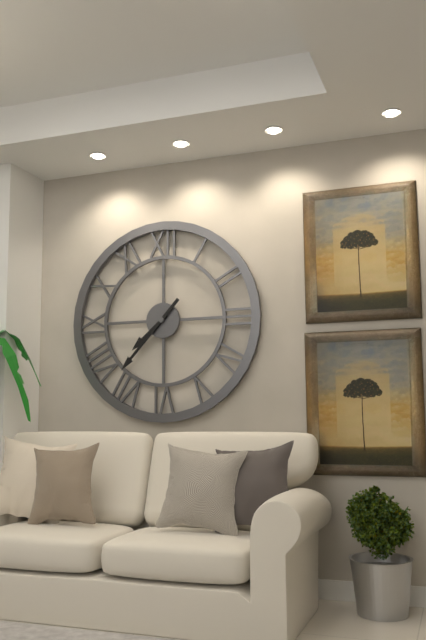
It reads 7h37
